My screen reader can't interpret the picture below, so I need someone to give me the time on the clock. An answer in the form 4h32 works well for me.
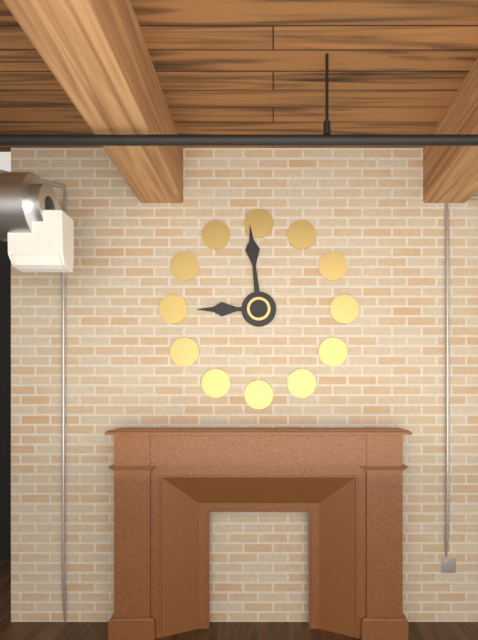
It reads 8h59
